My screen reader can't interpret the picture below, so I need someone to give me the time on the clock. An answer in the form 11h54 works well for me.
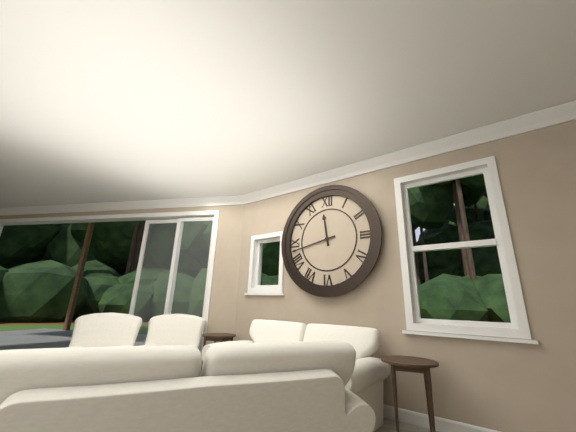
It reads 11h43
